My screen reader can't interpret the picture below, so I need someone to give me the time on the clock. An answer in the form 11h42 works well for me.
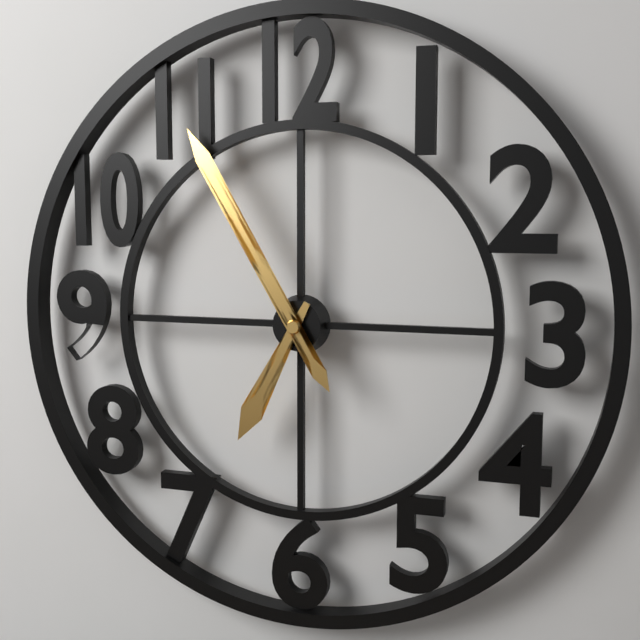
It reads 6h55
